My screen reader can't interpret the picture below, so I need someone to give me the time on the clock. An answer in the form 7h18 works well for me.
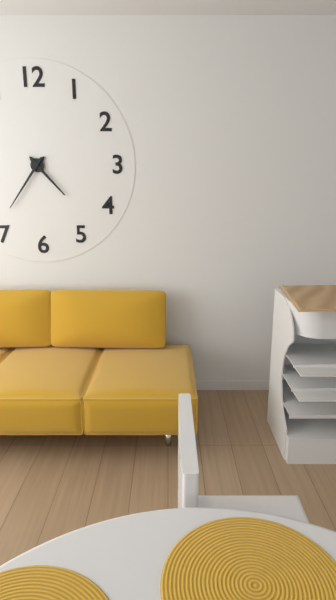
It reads 4h36
